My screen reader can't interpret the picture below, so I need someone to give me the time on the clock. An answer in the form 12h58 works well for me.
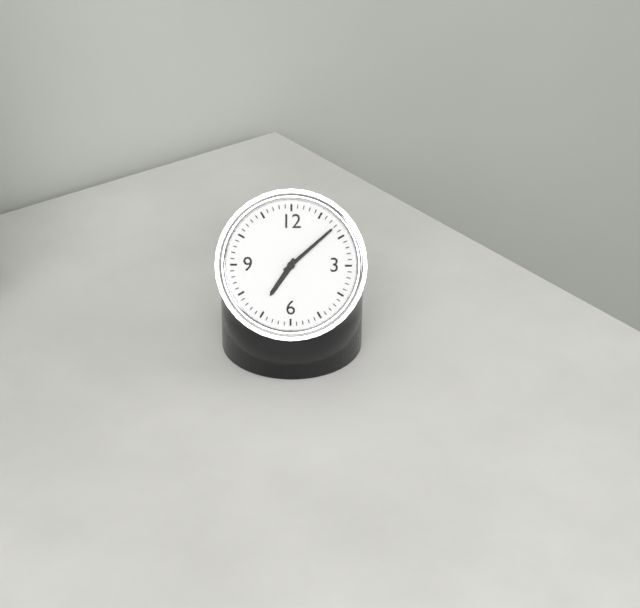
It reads 7h08
